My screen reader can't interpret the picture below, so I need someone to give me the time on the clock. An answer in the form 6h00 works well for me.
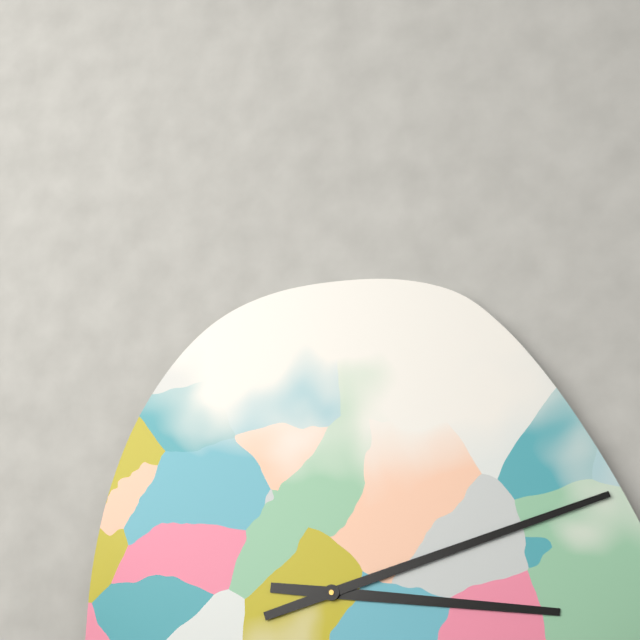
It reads 3h12
